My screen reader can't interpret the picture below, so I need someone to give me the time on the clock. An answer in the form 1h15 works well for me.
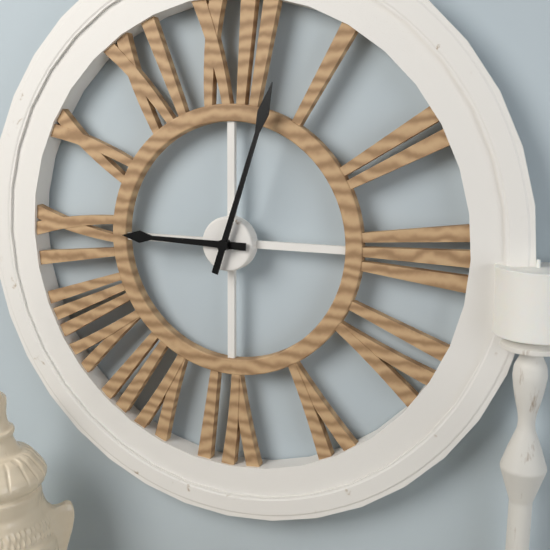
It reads 9h03
